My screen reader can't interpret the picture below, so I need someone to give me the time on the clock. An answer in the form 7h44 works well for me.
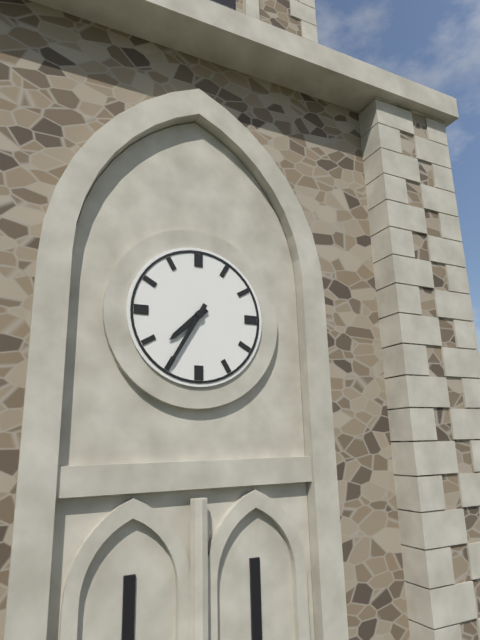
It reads 7h35
